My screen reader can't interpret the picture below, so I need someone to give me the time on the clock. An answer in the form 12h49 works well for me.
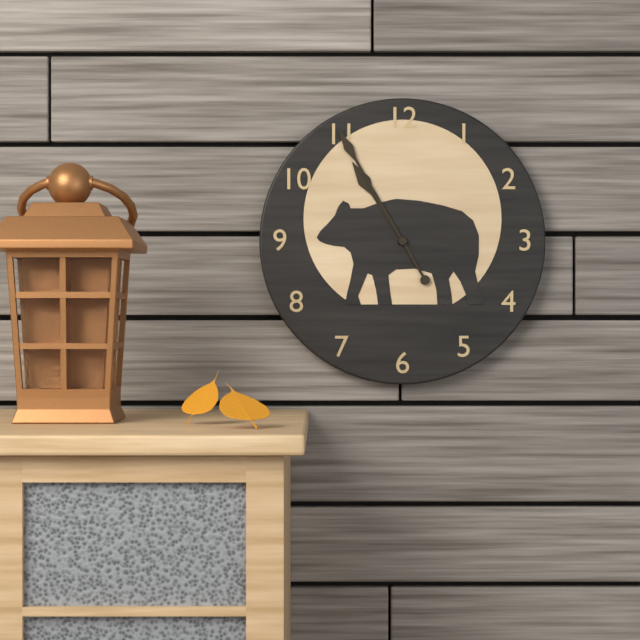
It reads 10h55
